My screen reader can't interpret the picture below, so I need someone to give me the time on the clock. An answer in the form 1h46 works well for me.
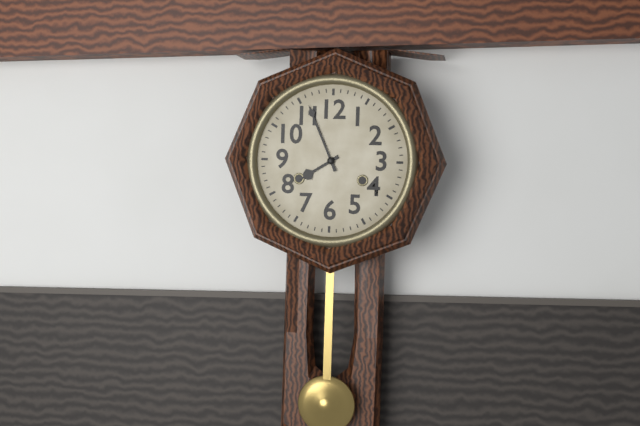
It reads 7h56
